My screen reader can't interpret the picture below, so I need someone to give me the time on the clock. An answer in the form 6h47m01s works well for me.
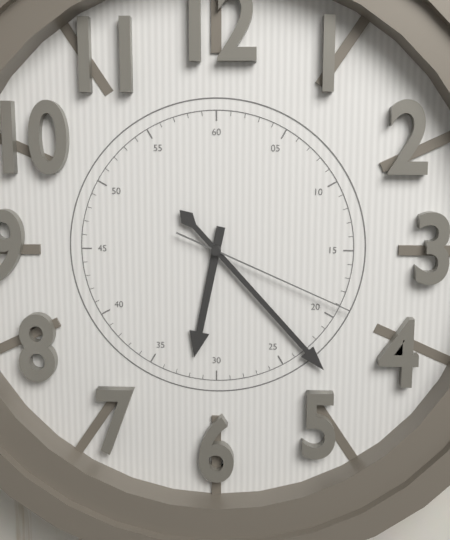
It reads 6h23m19s
